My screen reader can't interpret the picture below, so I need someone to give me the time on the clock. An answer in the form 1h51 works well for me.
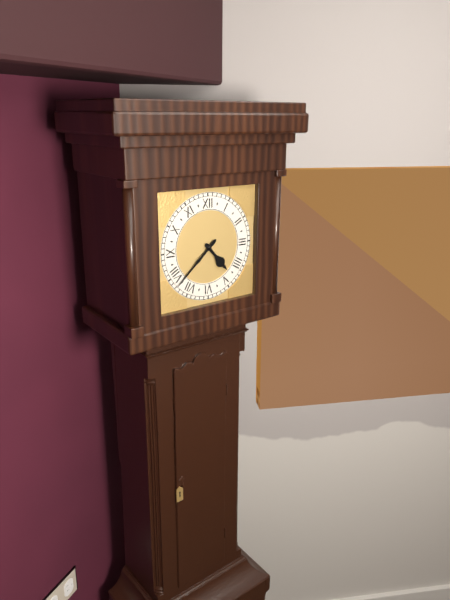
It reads 4h38
